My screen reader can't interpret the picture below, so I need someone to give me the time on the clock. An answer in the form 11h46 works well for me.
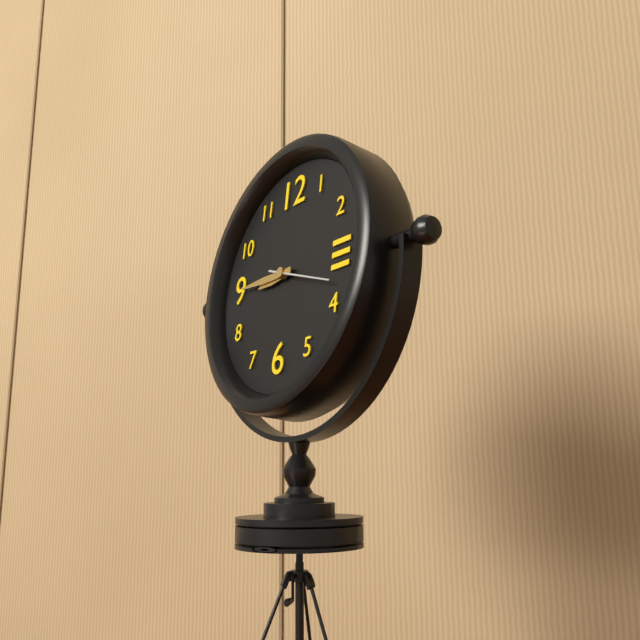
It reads 8h45
